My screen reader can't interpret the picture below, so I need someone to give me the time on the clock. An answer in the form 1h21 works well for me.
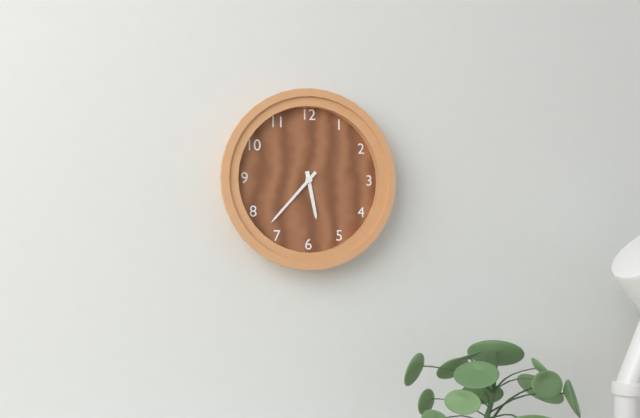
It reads 5h37
